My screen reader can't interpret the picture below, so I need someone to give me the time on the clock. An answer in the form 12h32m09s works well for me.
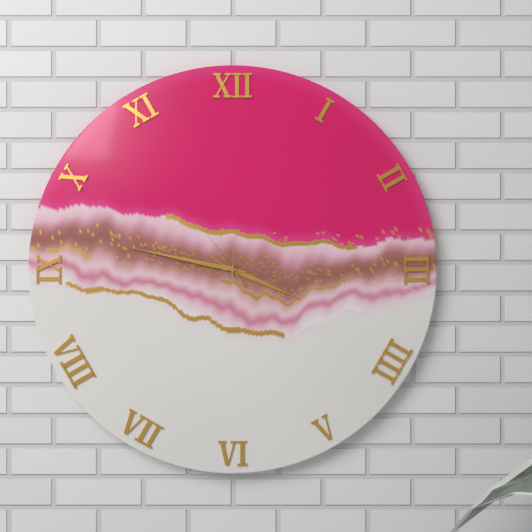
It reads 3h47m54s
